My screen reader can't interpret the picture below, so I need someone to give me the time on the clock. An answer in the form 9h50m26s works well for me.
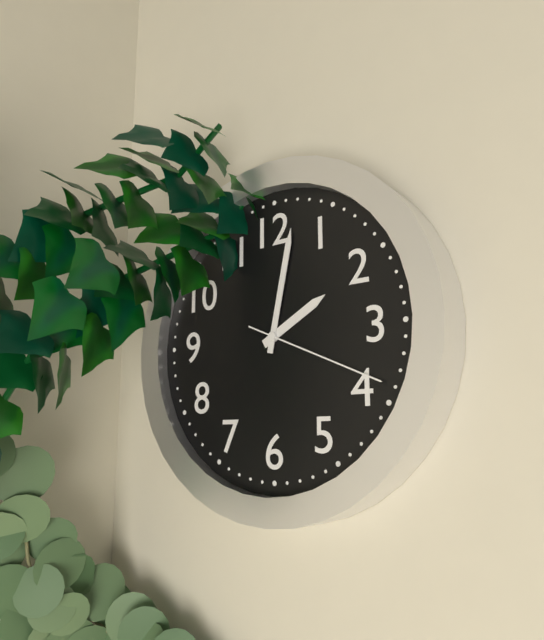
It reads 2h02m19s
